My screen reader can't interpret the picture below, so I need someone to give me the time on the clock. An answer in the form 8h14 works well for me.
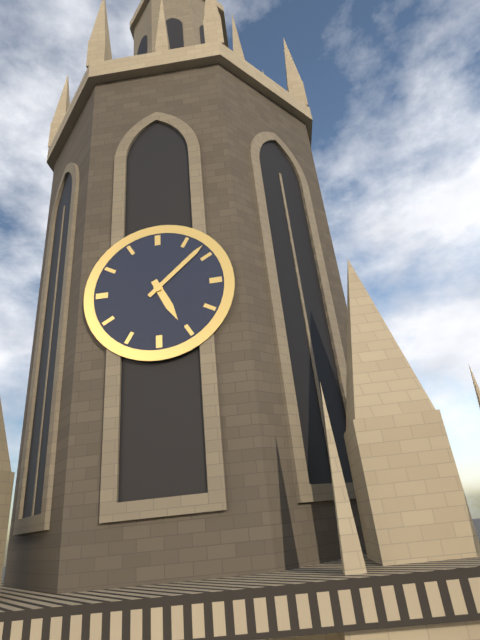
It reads 5h08
